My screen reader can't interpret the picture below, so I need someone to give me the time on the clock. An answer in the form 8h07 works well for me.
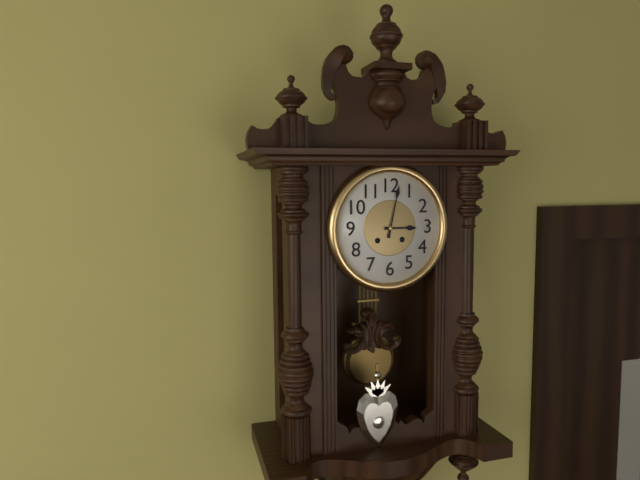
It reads 3h02
